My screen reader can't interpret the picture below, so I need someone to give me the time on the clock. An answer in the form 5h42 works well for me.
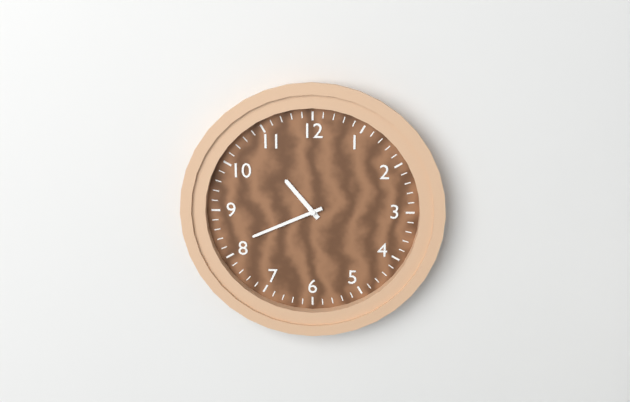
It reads 10h41
